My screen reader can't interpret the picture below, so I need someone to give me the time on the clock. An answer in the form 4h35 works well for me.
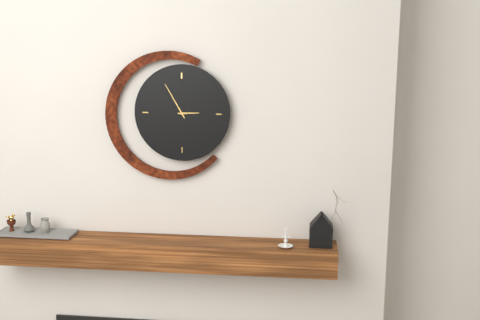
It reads 2h55
